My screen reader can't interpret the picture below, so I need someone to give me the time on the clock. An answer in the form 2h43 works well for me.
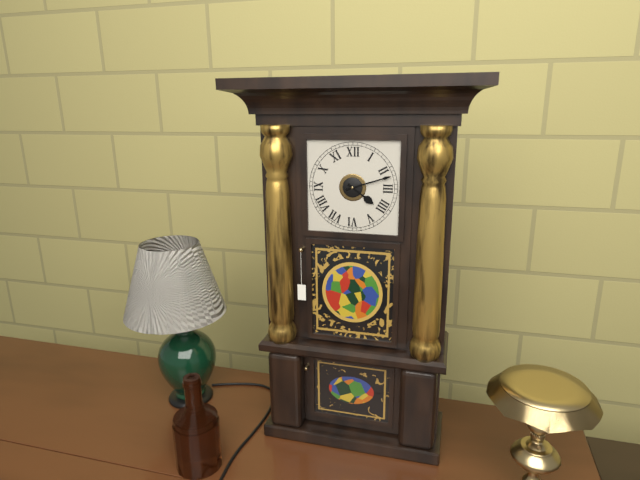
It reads 4h12
